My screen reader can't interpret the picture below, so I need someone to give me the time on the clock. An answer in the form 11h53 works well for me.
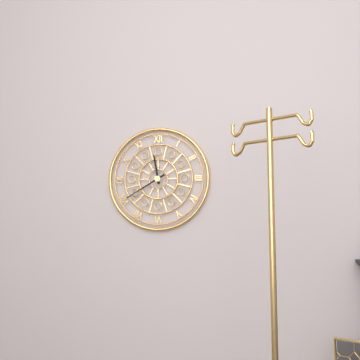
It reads 11h40
